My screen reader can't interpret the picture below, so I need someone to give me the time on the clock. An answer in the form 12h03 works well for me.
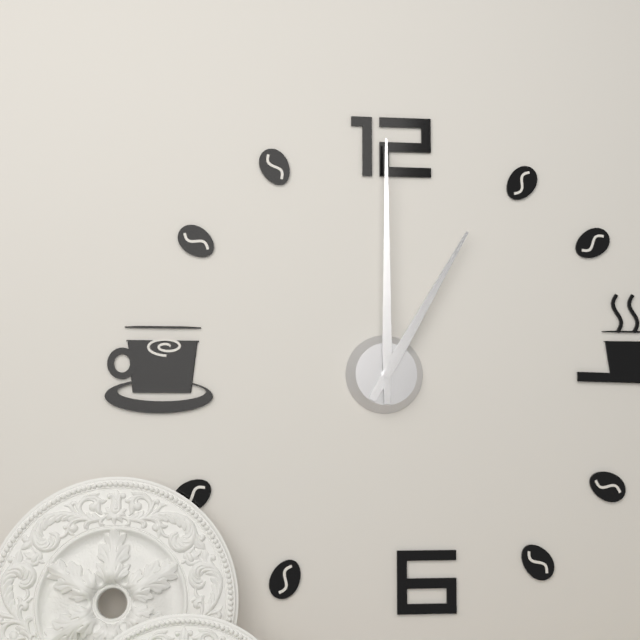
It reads 1h00
